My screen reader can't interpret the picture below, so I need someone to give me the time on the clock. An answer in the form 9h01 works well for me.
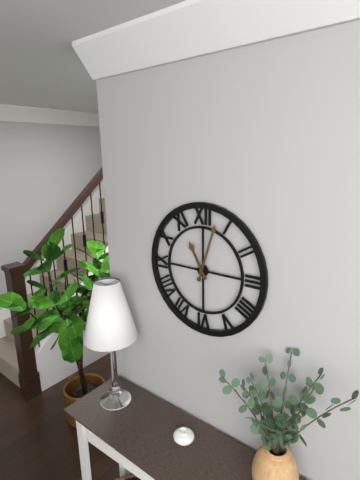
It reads 11h03
